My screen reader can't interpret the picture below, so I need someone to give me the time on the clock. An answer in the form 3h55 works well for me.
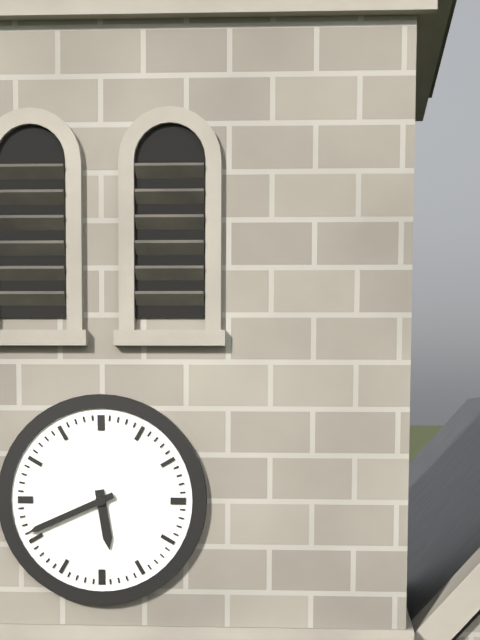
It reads 5h41
